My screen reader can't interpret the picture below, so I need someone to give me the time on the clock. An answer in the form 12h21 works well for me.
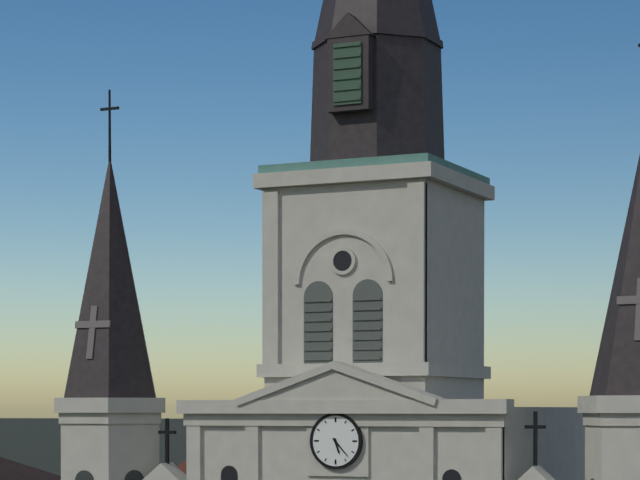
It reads 5h23
